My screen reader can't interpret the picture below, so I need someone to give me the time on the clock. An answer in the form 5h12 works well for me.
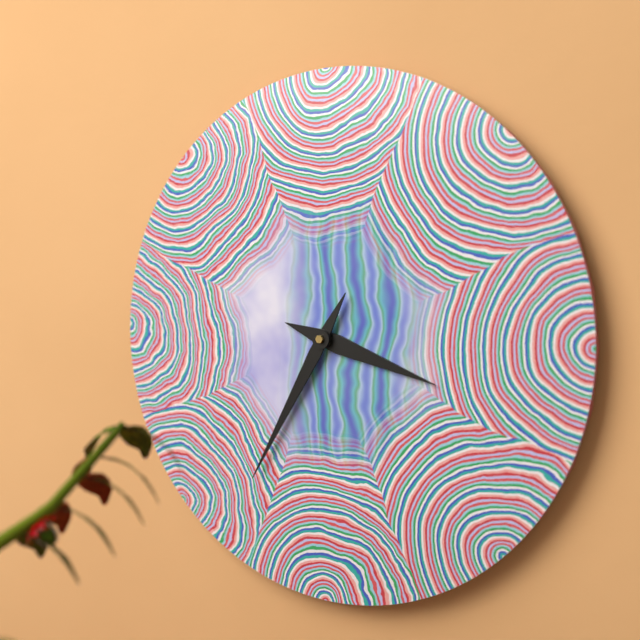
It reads 3h35
